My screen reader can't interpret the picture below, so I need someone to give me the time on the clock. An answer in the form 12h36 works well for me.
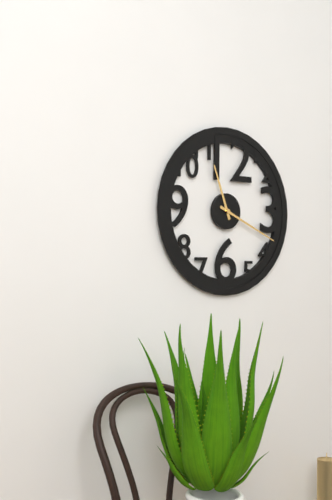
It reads 11h19
